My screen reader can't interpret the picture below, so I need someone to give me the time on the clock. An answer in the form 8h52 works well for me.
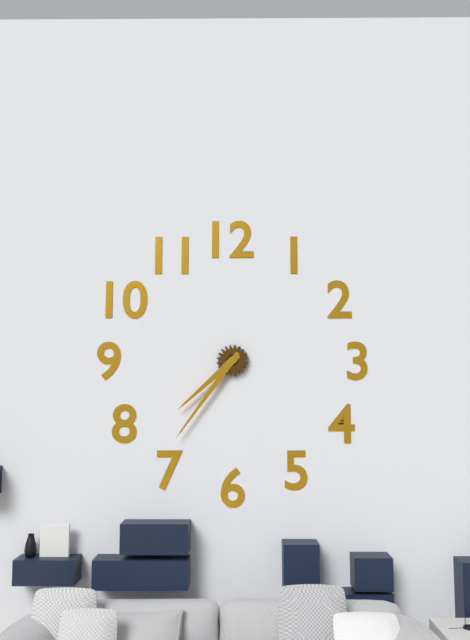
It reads 7h36
